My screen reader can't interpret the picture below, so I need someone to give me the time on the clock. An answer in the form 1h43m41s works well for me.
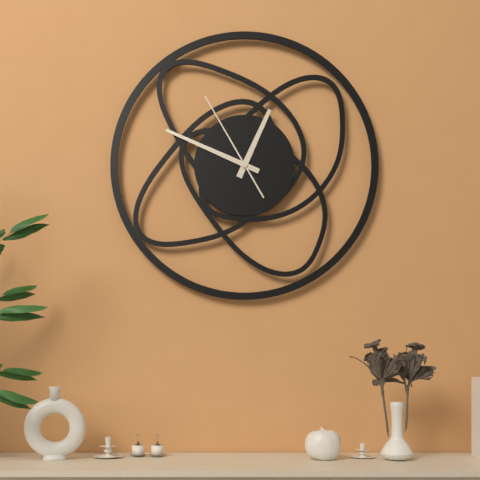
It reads 12h49m55s
